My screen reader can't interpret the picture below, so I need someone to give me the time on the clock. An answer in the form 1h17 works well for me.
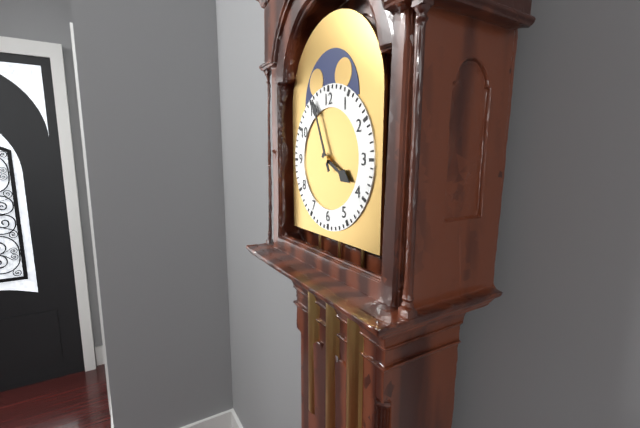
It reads 3h56
